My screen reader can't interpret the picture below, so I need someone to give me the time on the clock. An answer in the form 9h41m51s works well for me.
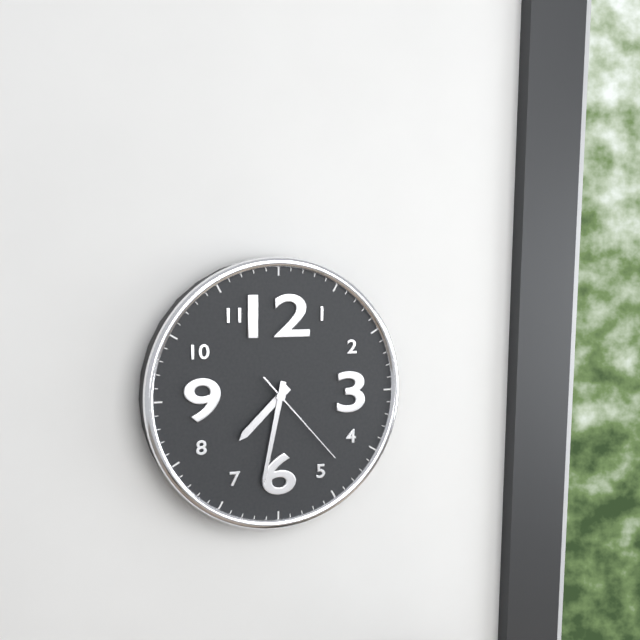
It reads 7h32m23s
